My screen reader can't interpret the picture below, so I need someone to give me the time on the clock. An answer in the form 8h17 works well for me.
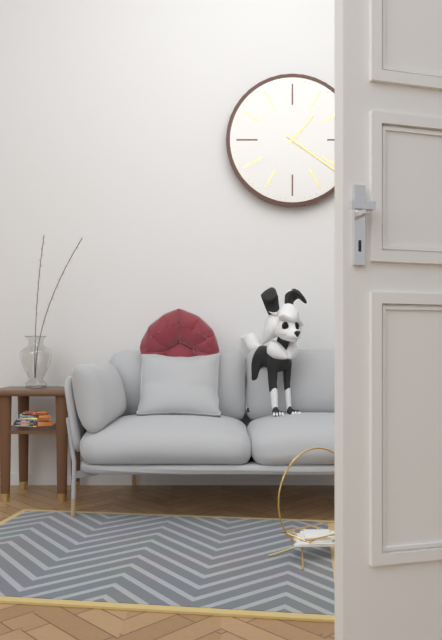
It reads 1h21
